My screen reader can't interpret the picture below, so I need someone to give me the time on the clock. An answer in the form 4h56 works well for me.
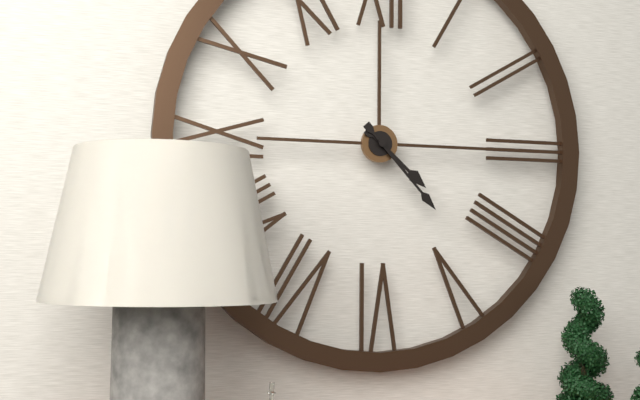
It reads 4h23
